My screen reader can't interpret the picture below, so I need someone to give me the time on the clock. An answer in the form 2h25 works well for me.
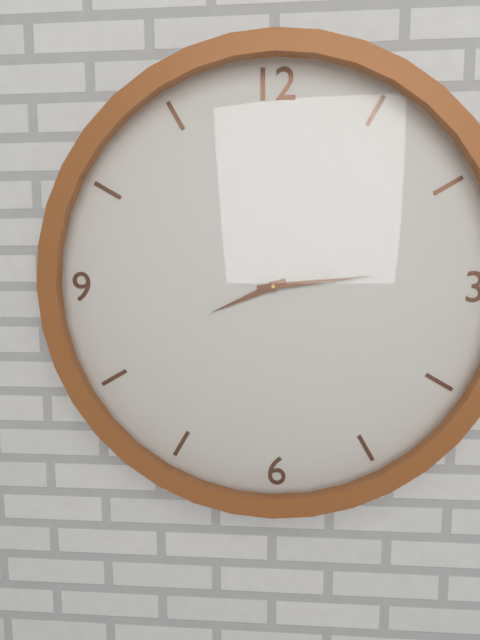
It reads 8h14
